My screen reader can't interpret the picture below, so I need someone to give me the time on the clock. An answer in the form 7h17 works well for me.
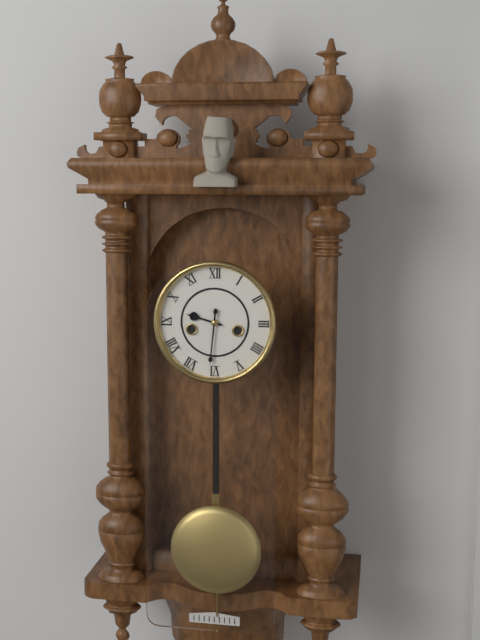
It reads 9h31
